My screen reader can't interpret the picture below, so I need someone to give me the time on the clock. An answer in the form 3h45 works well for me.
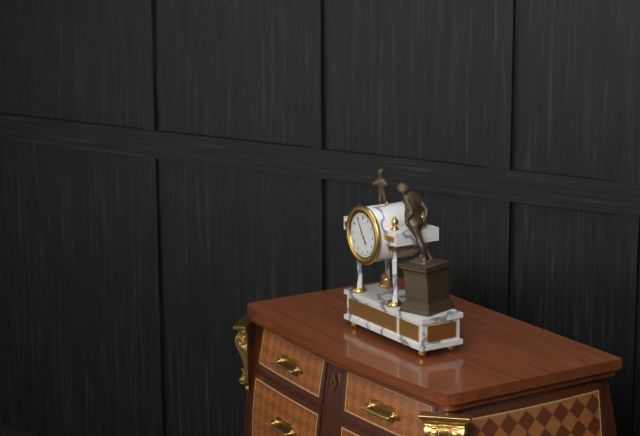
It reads 4h55
